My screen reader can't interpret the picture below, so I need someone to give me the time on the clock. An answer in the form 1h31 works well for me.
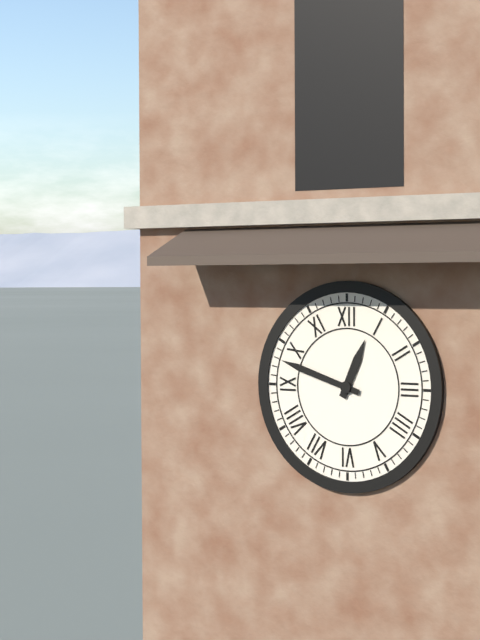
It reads 12h48
